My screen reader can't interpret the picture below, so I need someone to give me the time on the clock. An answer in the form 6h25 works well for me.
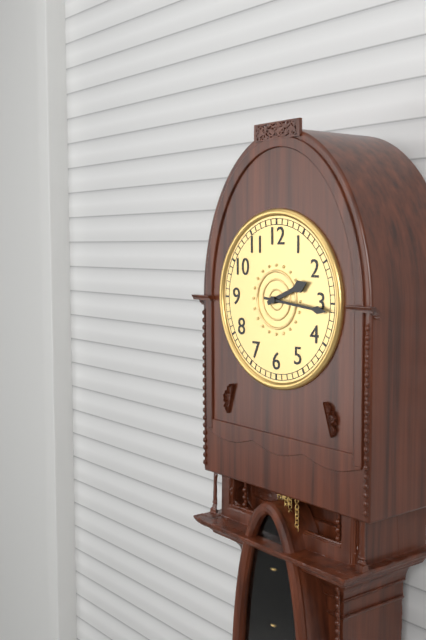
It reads 2h16
